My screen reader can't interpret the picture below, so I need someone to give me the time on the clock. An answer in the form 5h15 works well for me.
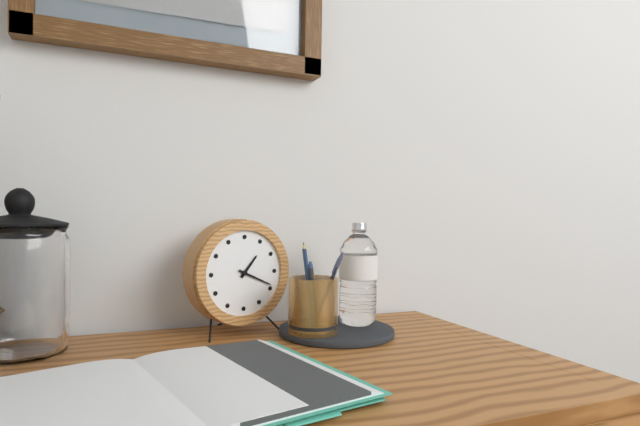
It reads 1h19
